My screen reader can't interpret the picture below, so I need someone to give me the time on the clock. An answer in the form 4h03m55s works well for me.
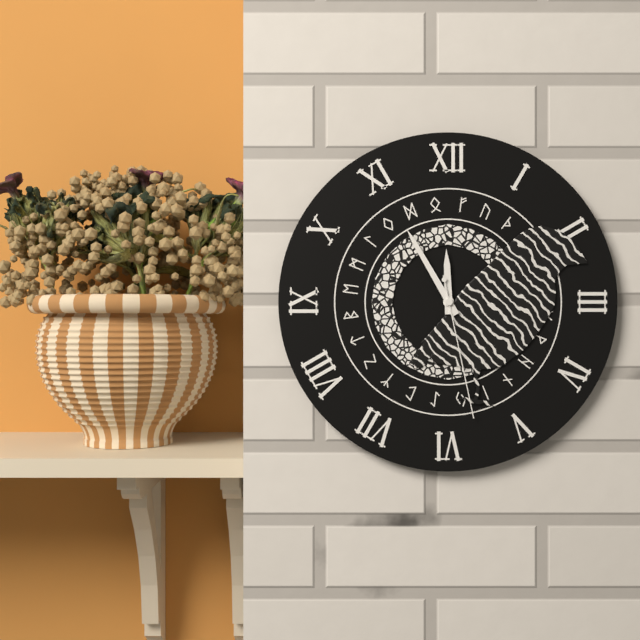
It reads 11h55m28s
